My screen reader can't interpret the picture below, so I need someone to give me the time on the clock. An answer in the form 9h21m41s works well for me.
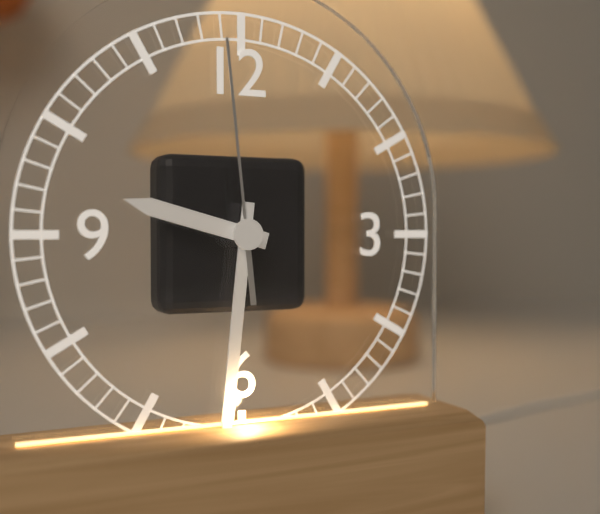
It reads 9h31m59s
